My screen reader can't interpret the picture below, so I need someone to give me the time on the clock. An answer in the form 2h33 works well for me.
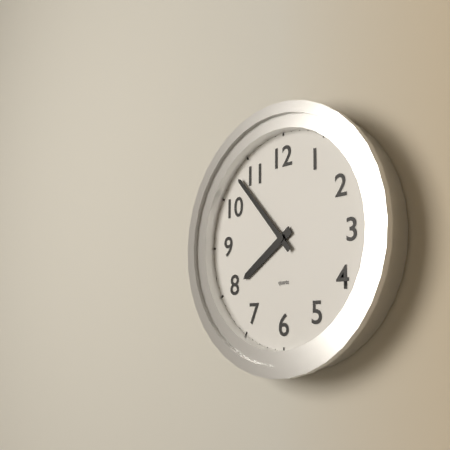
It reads 7h53
